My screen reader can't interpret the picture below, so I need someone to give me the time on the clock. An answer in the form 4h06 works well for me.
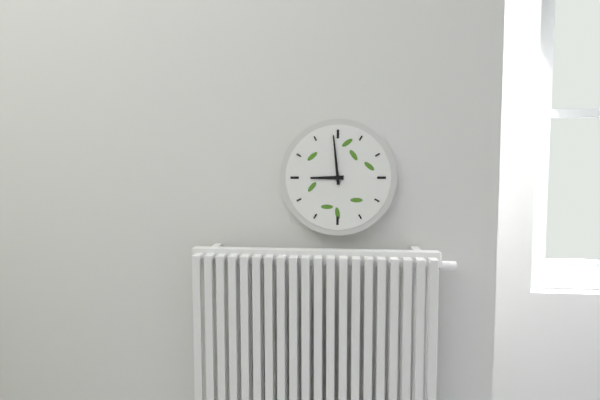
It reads 8h59
